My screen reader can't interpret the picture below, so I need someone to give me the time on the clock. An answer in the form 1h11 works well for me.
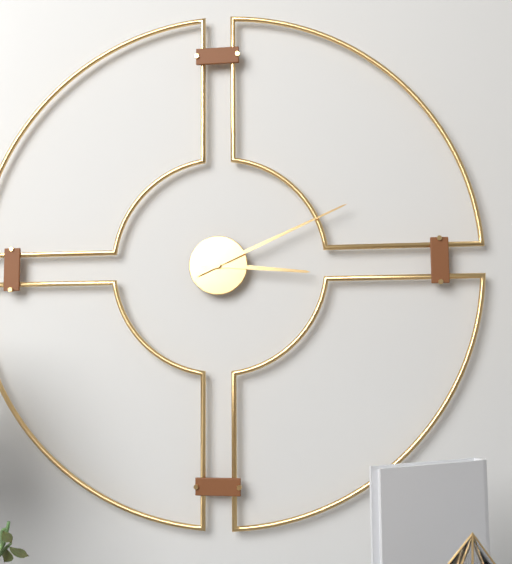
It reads 3h11
